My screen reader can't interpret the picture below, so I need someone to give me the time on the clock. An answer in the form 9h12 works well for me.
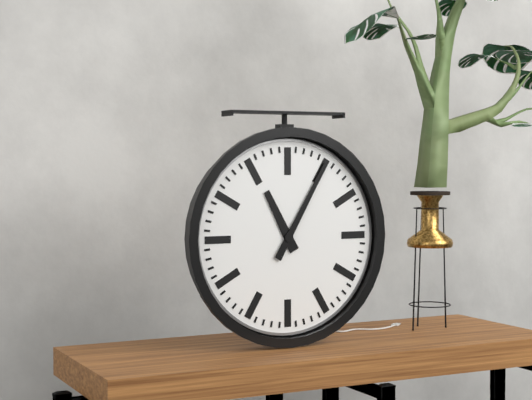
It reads 11h05
